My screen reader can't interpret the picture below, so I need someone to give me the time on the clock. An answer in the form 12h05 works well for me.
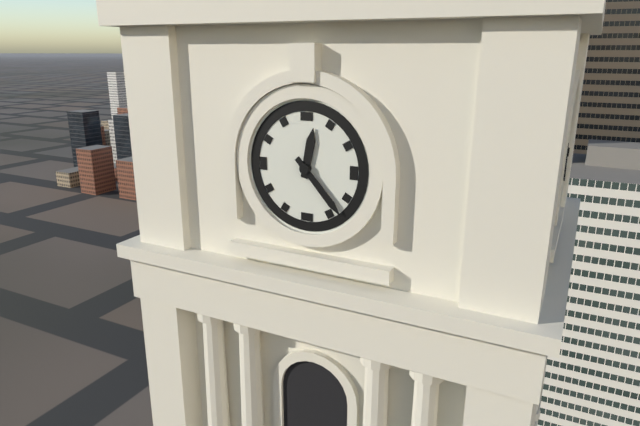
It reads 12h23
